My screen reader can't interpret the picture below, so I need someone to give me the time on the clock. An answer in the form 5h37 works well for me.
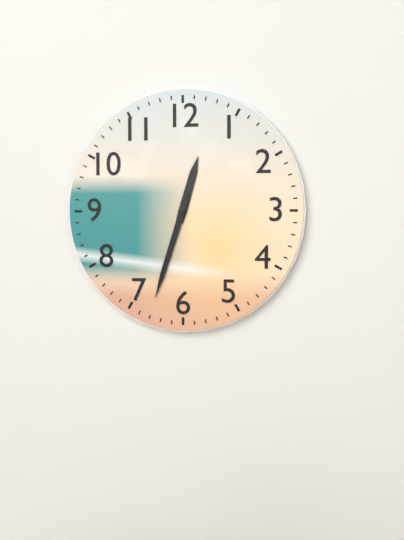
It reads 12h33
